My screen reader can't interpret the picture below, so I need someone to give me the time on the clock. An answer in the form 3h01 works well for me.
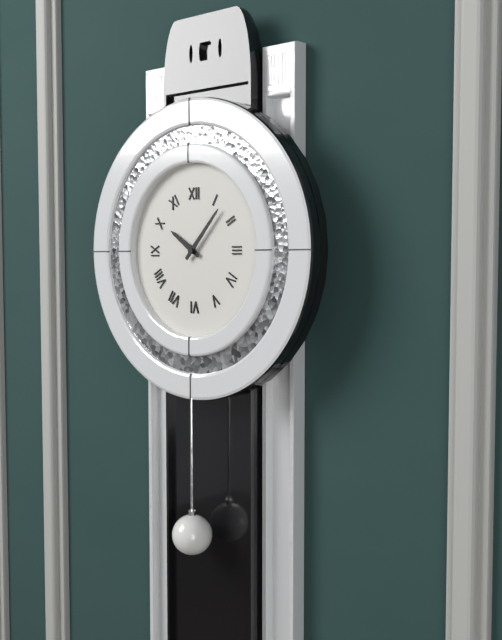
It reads 10h07
